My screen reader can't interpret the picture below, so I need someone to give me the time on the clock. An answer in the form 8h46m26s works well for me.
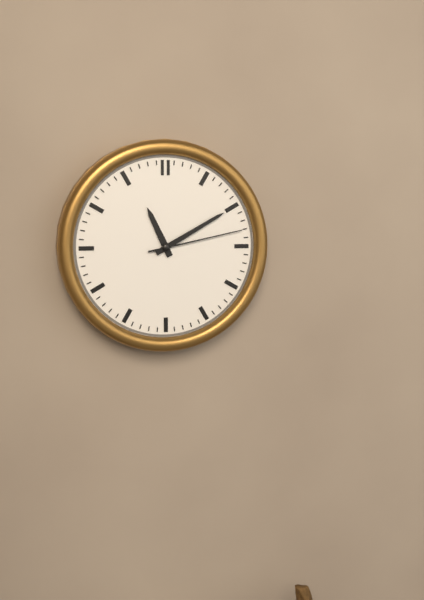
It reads 11h10m13s
